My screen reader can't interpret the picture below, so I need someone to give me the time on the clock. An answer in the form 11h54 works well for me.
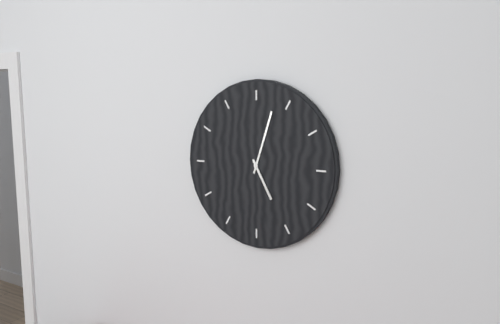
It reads 5h03
